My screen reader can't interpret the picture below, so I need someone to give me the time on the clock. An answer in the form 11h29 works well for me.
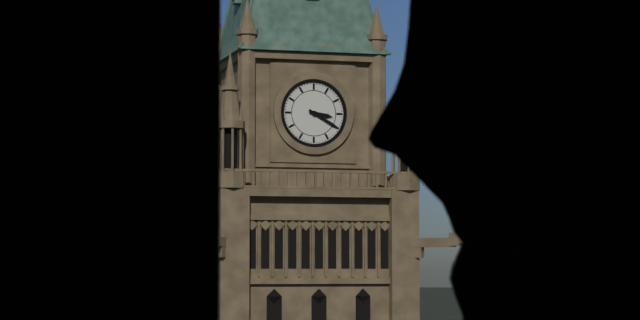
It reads 3h20
